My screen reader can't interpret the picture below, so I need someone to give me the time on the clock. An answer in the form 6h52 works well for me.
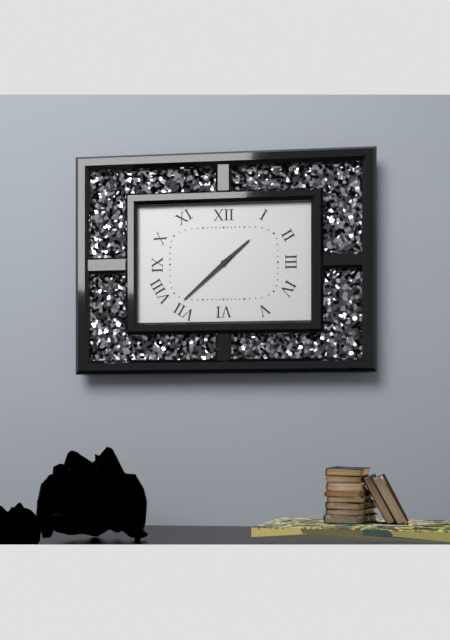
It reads 1h38
